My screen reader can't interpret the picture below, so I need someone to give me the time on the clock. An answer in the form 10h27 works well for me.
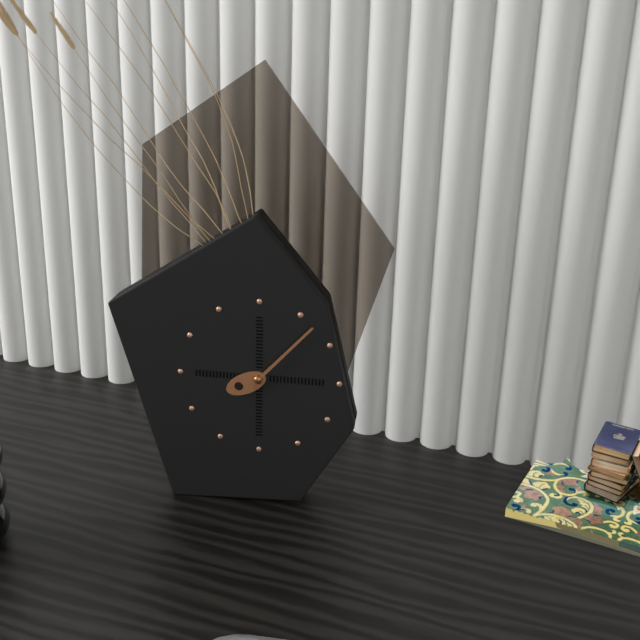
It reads 8h07
